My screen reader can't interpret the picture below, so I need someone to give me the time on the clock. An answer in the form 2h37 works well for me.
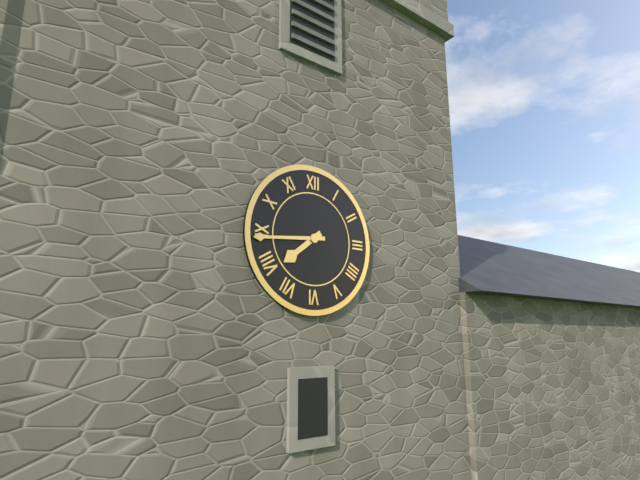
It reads 7h44
